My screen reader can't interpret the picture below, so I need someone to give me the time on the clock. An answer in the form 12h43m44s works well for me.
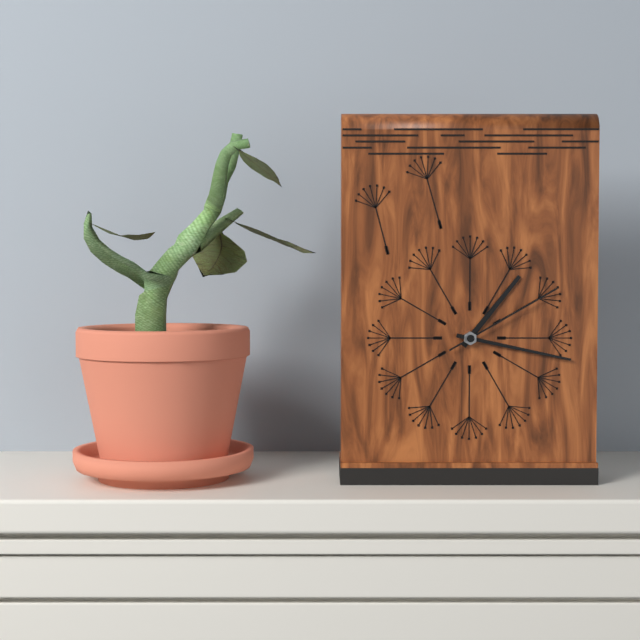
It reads 1h17m10s
